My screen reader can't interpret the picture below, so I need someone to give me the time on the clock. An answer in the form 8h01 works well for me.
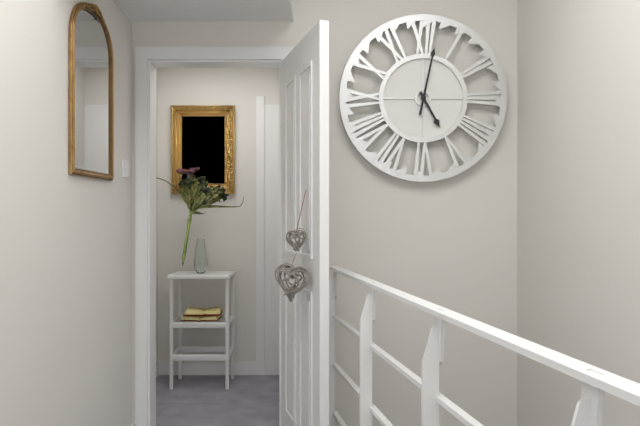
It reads 5h02
